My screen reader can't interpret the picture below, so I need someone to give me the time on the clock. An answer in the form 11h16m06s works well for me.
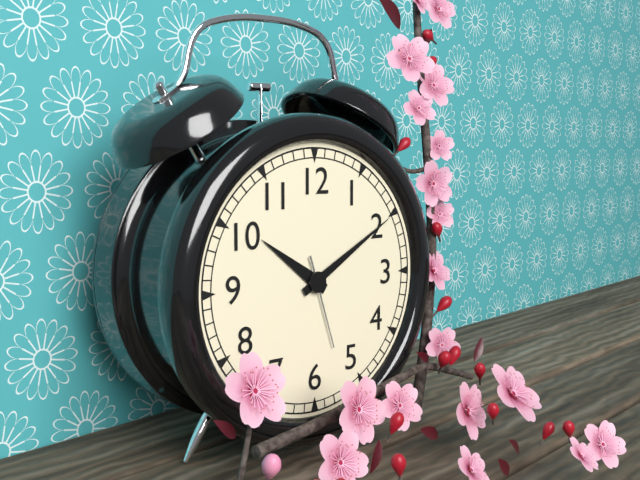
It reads 10h10m27s
